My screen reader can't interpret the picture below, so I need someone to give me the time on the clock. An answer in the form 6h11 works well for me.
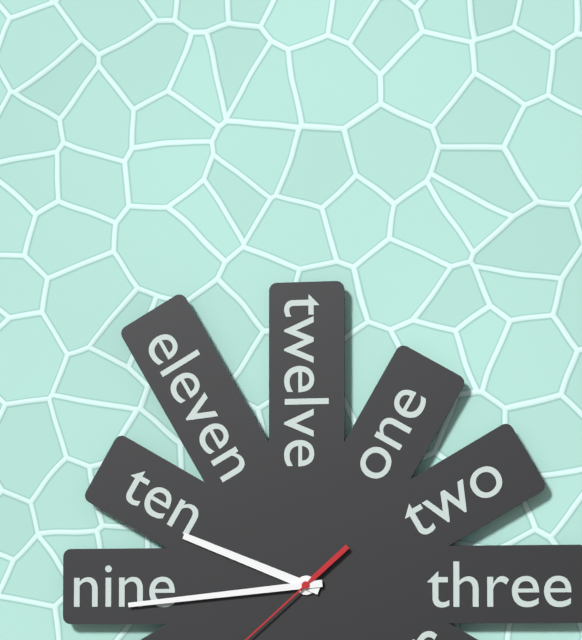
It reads 9h44
